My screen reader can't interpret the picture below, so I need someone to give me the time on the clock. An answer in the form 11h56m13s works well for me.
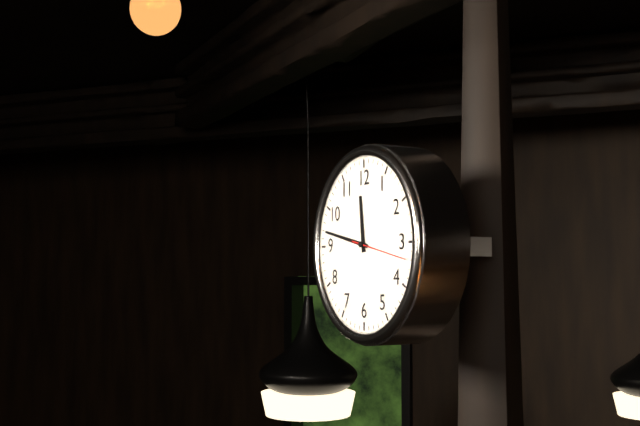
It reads 11h47m17s
